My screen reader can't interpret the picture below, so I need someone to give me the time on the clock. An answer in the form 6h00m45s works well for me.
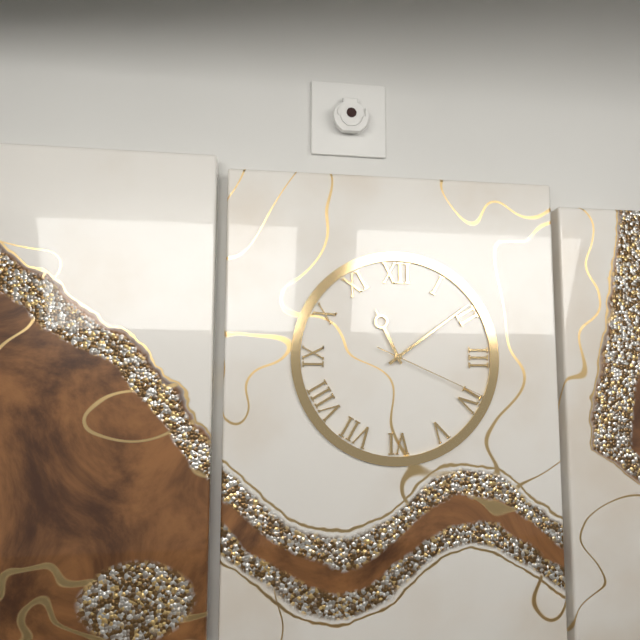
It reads 11h09m19s
